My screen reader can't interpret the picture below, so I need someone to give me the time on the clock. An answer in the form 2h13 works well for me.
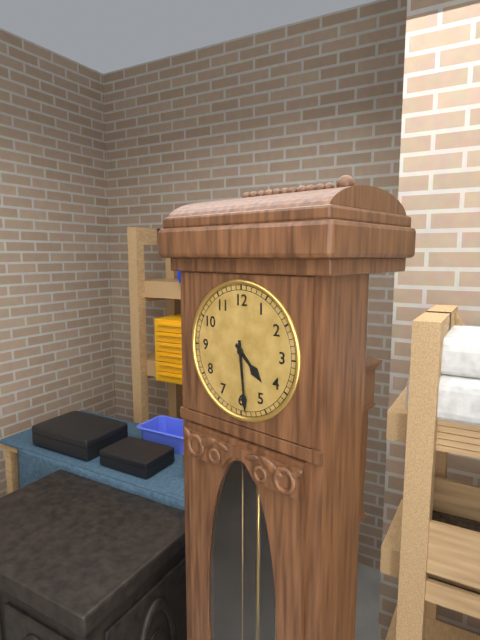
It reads 4h29
